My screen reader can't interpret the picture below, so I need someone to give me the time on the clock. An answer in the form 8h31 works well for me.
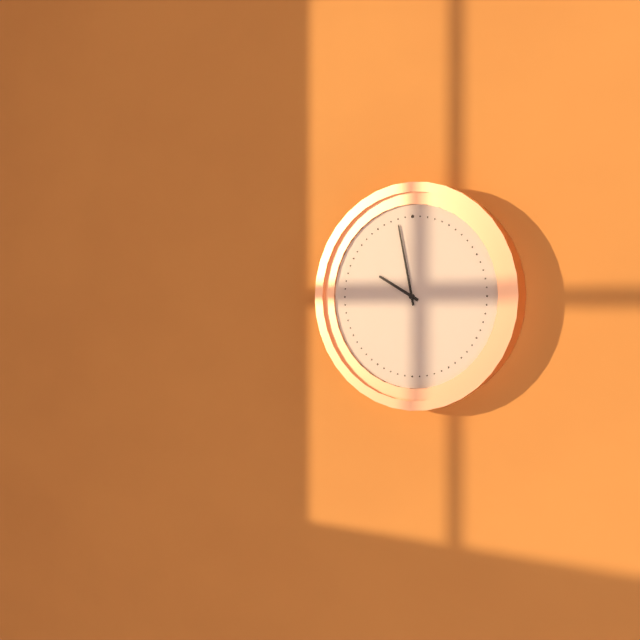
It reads 9h58
